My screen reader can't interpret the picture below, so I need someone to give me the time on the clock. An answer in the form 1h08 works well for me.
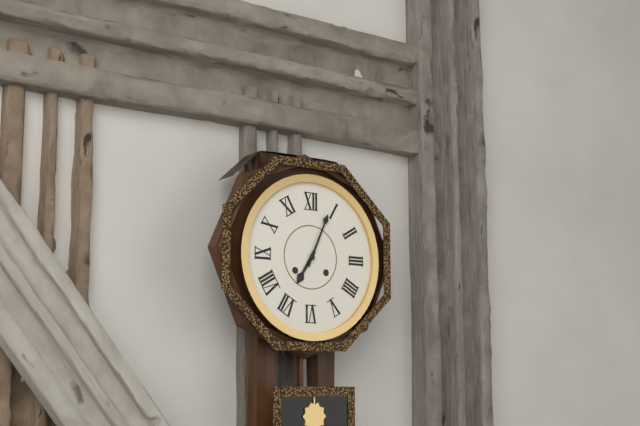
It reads 7h04
